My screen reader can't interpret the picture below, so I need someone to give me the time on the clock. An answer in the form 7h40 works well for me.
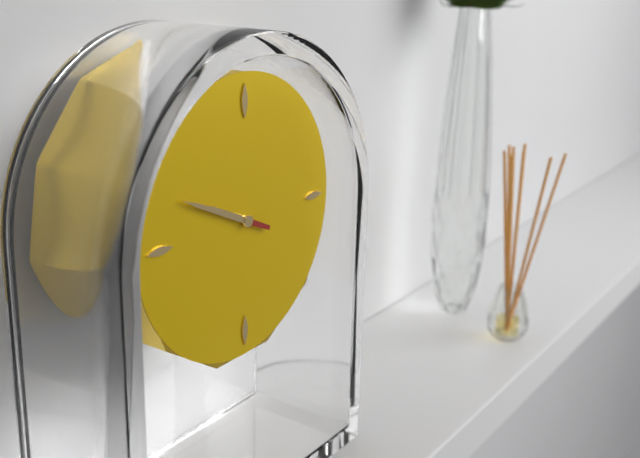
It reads 9h49
